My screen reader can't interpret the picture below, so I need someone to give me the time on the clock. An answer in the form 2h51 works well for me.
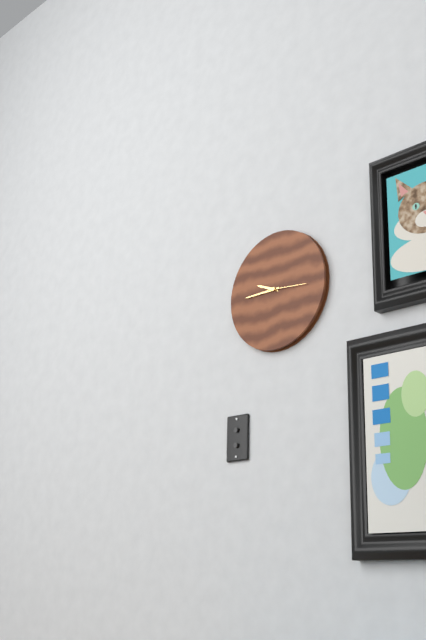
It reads 9h45
